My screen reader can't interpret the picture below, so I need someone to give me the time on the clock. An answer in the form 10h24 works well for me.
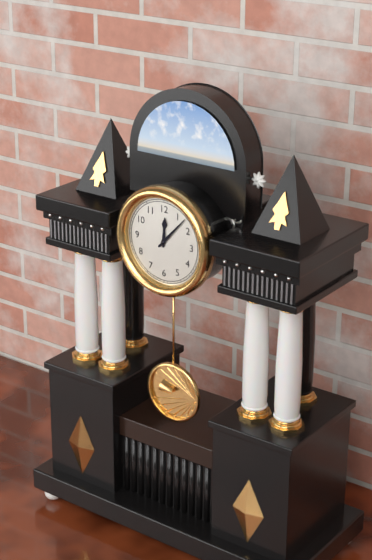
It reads 12h07
